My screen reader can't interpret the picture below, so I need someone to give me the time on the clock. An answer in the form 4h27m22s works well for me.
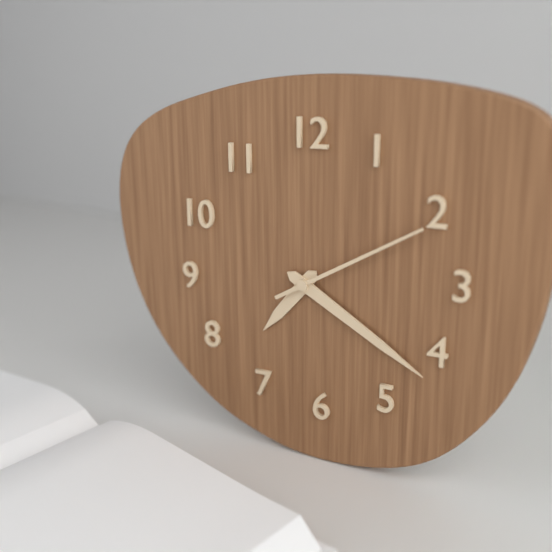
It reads 7h20m10s
